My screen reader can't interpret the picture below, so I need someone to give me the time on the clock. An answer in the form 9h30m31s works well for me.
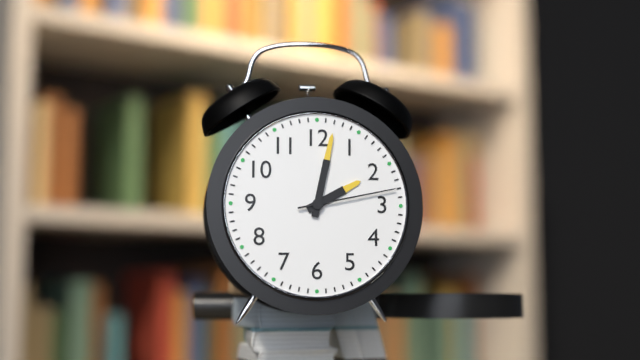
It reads 2h02m13s
